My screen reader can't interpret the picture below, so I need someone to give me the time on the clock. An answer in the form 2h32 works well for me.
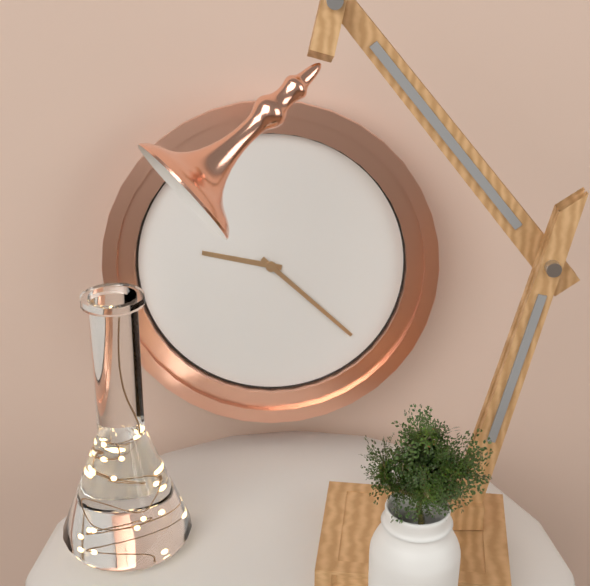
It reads 9h22
